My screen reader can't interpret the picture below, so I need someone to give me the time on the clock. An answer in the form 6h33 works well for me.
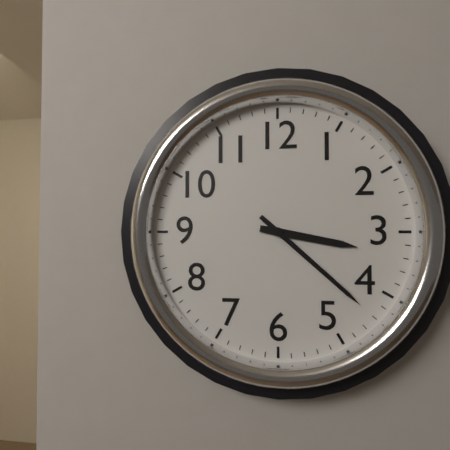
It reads 3h22
